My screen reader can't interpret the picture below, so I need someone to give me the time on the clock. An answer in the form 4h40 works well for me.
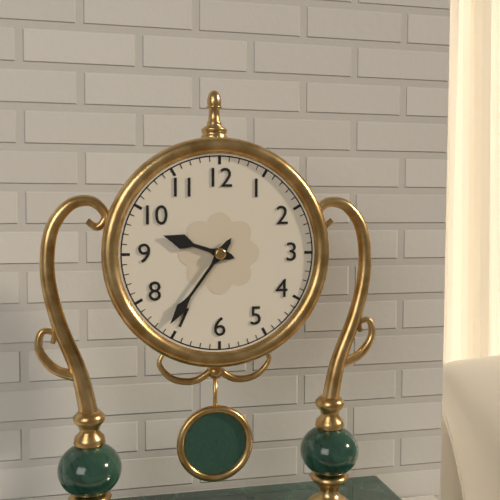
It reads 9h36
